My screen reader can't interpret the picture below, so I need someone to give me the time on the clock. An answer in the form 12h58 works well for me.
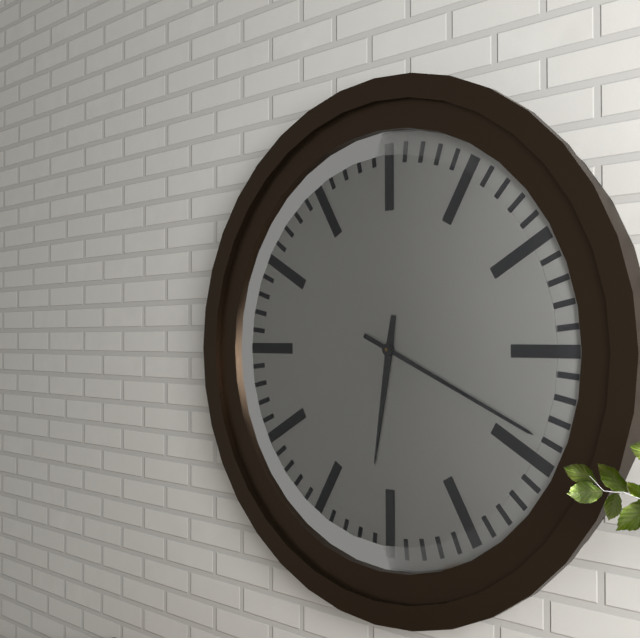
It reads 6h19
